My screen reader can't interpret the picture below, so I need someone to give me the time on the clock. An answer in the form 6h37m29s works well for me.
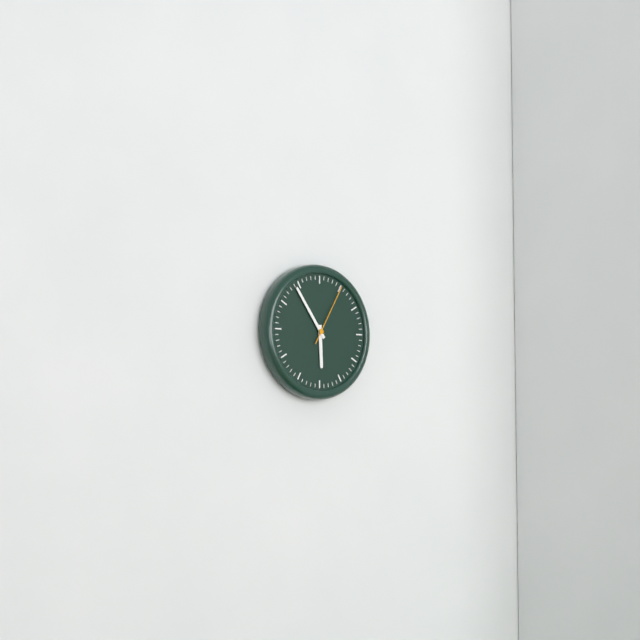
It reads 5h54m05s
